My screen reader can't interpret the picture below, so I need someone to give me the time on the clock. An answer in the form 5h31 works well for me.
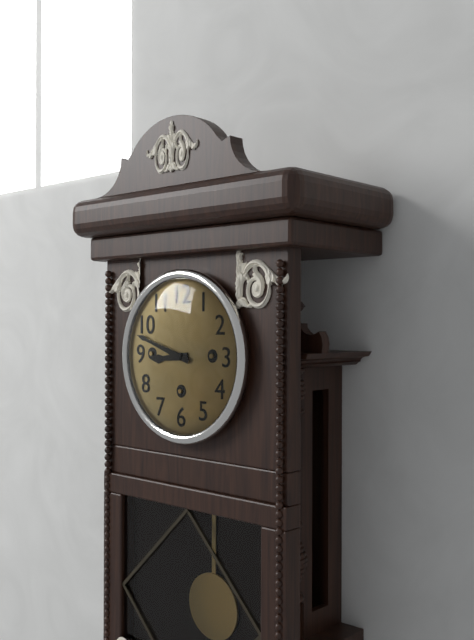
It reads 8h48
